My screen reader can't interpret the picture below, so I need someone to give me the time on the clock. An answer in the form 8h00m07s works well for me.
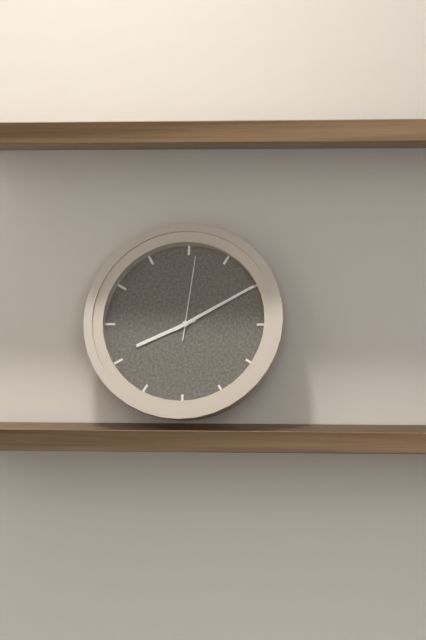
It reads 8h10m01s
